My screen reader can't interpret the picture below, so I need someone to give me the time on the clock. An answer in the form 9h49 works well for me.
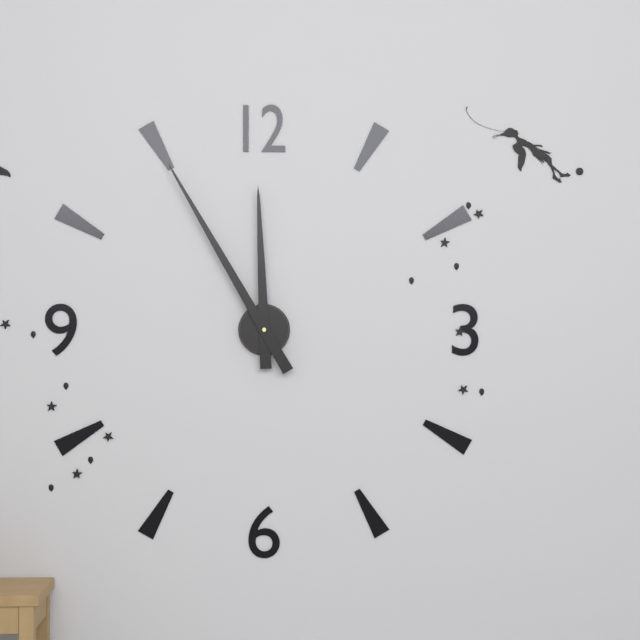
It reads 11h55
